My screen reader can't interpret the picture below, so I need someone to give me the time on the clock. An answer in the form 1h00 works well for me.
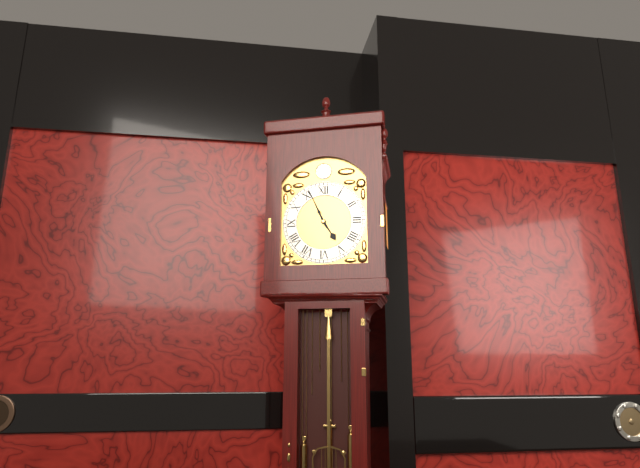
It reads 4h56
